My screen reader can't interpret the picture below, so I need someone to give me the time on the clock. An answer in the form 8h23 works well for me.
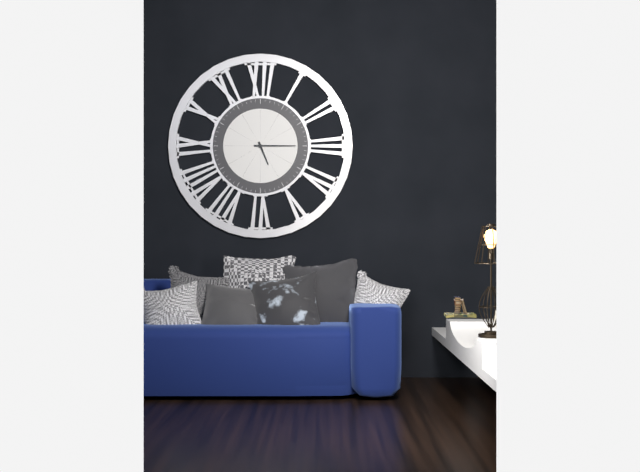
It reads 5h15
